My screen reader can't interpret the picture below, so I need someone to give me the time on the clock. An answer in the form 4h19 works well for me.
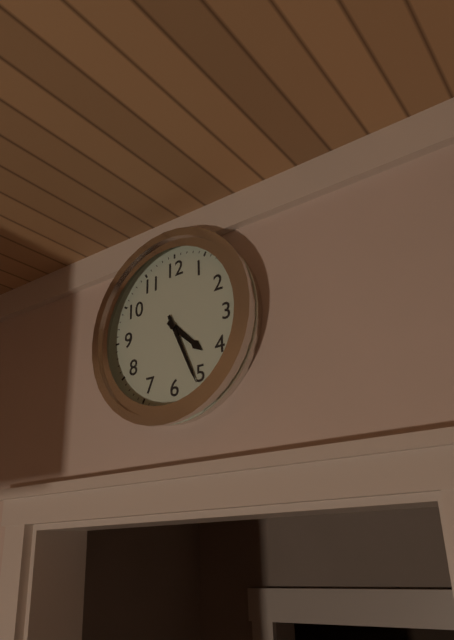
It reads 4h26
